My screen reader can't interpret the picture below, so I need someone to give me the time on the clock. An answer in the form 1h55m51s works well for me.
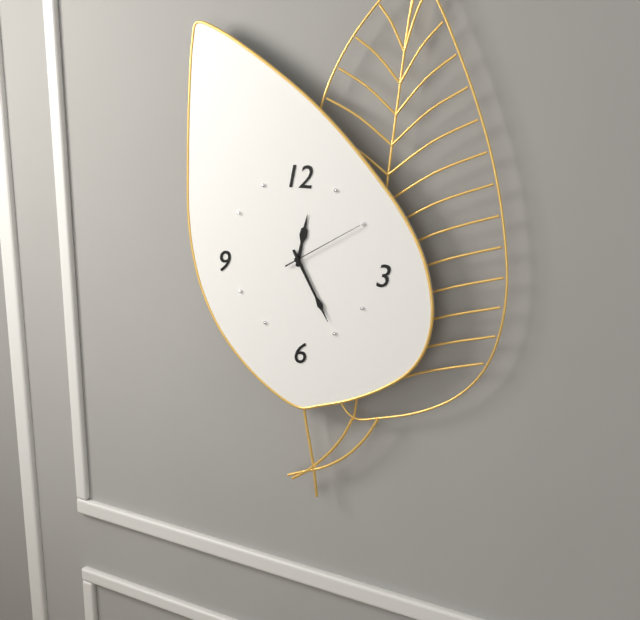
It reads 12h25m10s
